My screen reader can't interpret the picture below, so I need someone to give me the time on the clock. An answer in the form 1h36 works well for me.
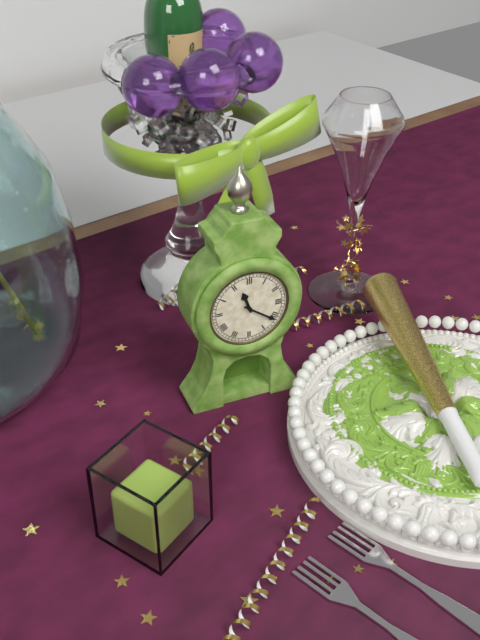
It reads 11h21
